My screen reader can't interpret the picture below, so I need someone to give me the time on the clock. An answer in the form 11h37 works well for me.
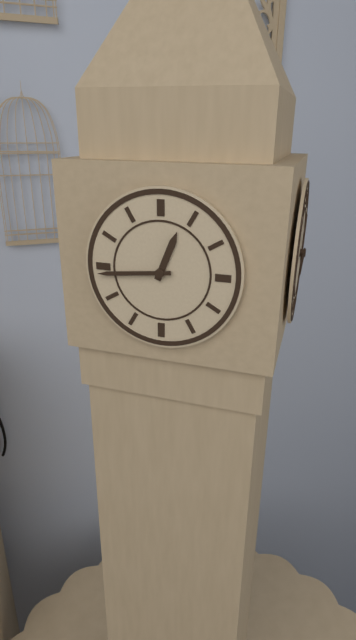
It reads 12h44
